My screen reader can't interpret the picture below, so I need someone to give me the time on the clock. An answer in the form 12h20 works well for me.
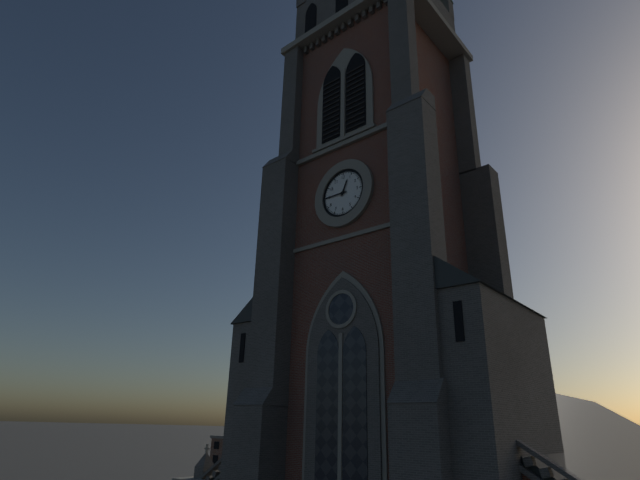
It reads 12h45
